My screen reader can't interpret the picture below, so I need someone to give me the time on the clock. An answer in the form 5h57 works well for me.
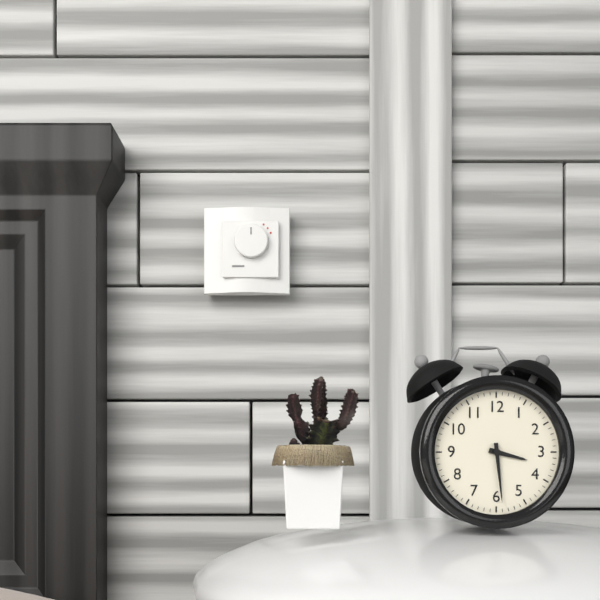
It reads 3h29
